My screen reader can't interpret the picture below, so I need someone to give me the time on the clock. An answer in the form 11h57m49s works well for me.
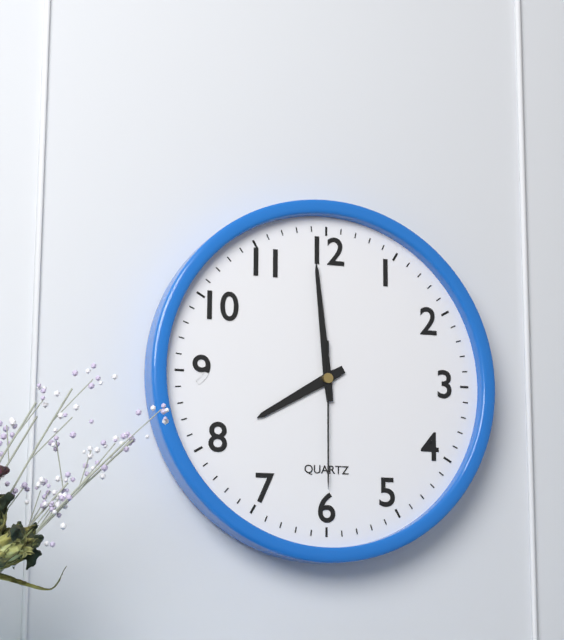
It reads 7h59m30s
